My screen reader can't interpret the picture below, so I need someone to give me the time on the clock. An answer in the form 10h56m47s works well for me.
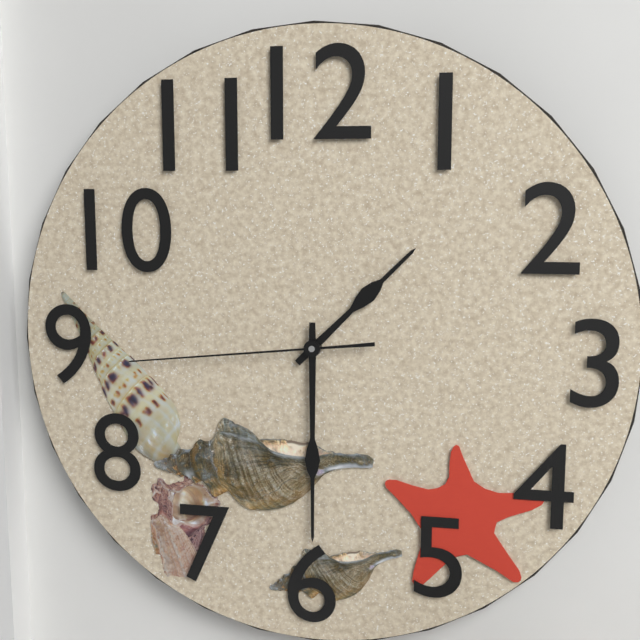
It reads 1h30m44s
